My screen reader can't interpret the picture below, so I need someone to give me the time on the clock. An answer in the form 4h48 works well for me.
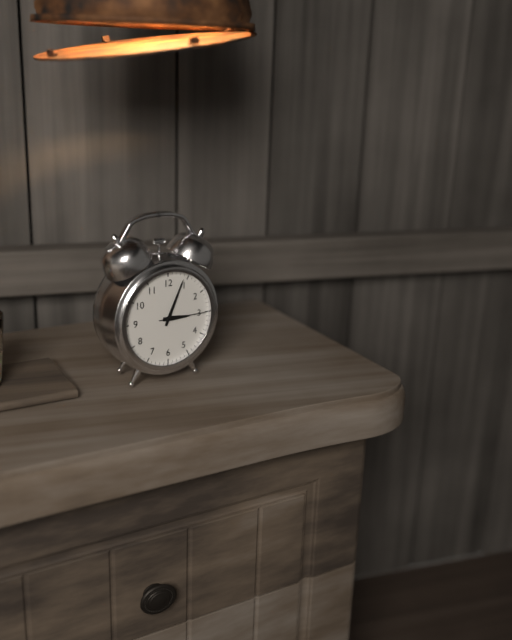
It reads 3h04
